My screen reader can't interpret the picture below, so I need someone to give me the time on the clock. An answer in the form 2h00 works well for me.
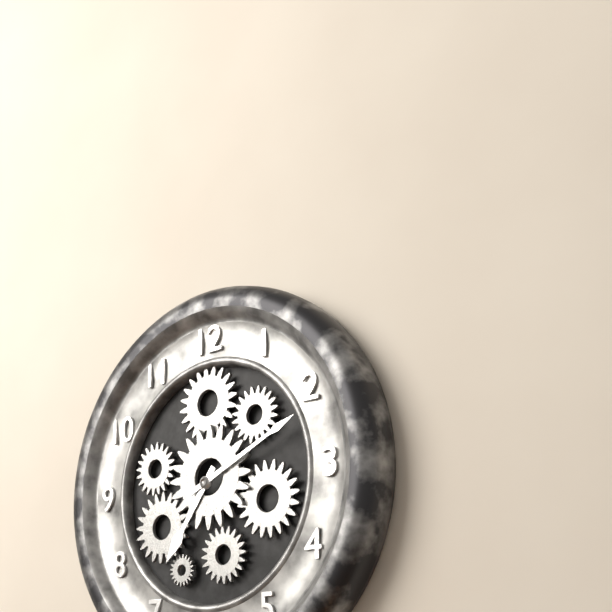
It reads 7h11
